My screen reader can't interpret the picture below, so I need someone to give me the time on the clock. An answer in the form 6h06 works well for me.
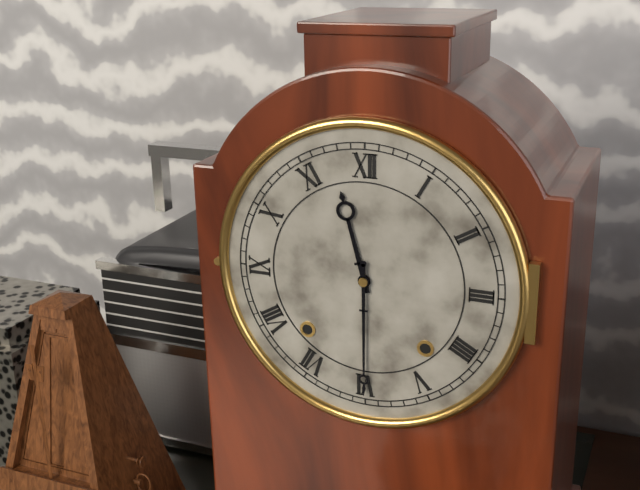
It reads 11h30
